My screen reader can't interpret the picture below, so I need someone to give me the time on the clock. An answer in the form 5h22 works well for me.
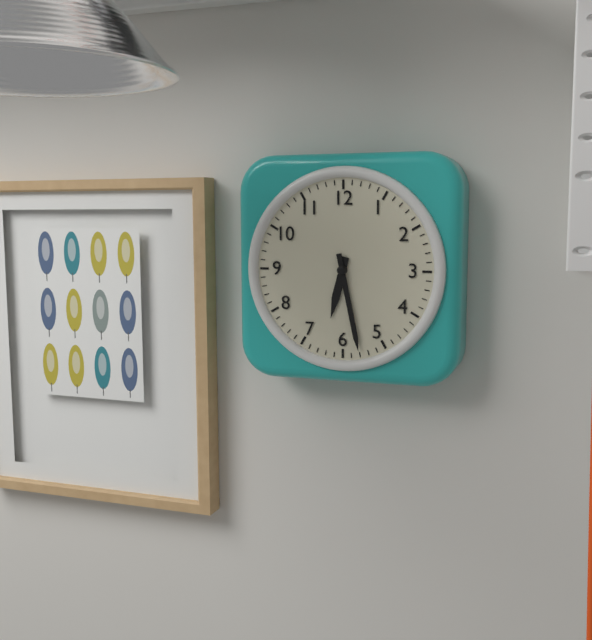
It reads 6h28
